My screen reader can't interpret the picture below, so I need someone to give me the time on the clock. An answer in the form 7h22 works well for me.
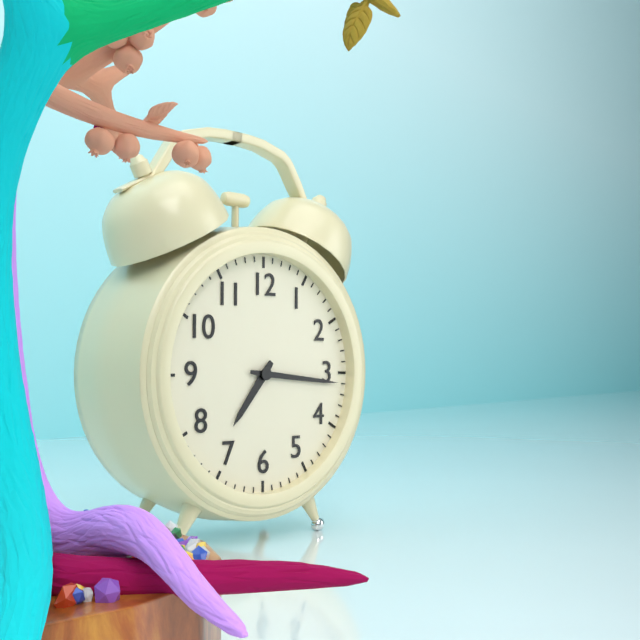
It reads 7h16
